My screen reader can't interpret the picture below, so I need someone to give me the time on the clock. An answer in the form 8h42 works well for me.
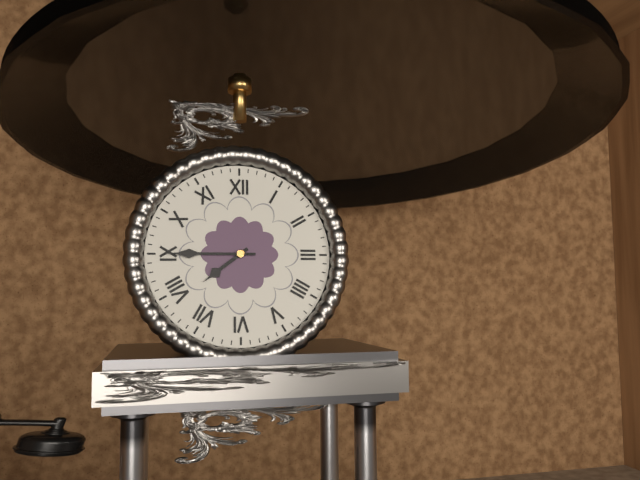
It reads 7h45
